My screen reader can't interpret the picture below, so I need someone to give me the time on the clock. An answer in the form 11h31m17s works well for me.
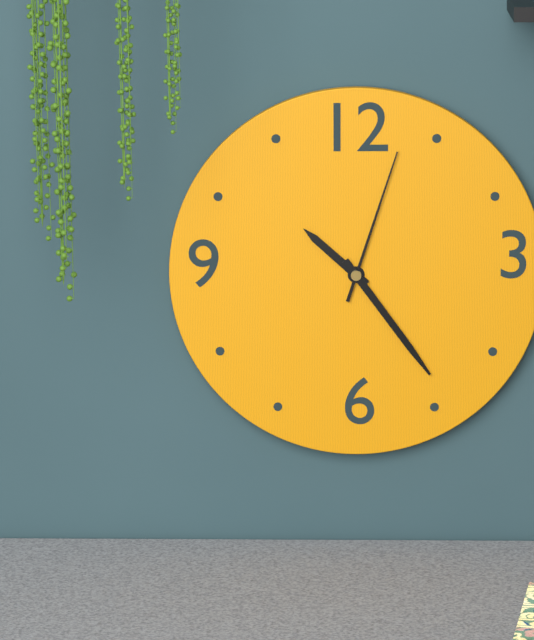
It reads 10h24m03s
